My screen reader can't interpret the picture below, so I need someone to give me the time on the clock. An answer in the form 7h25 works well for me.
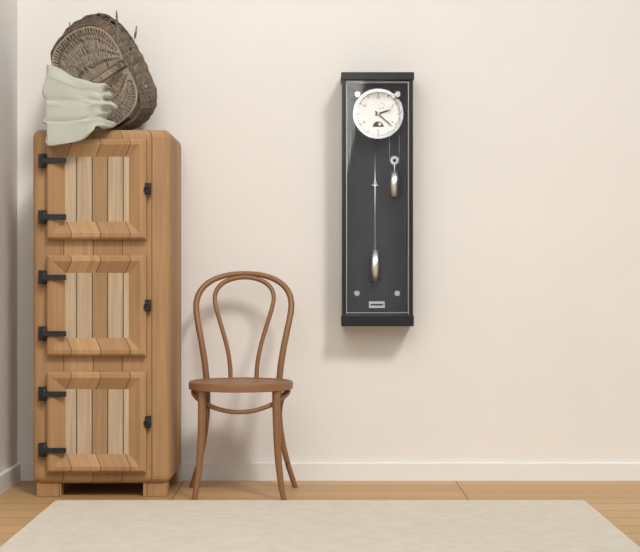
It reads 2h22
